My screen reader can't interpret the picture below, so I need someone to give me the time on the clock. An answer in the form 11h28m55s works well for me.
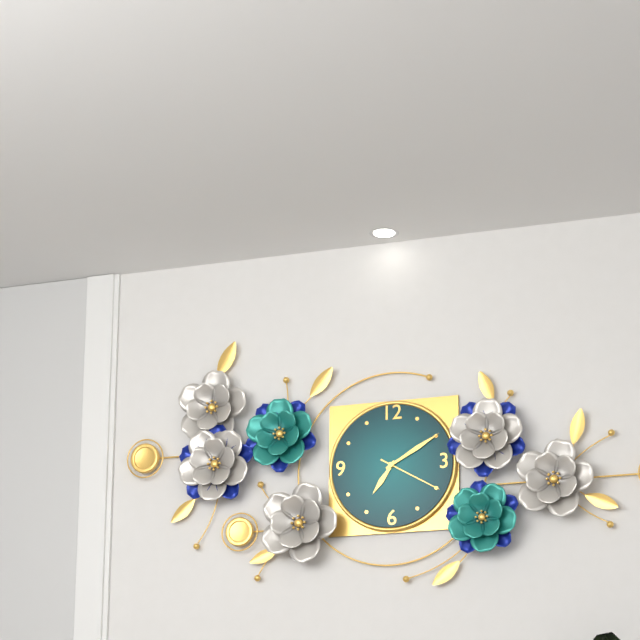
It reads 7h10m20s
